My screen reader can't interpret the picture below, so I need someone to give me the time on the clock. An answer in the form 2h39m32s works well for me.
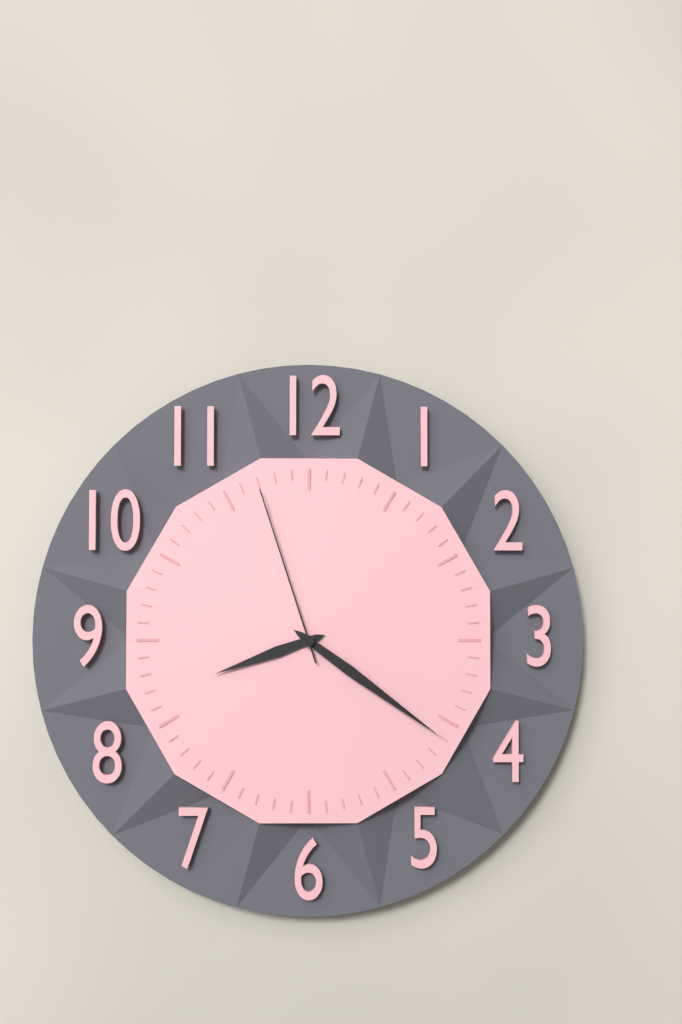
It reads 8h21m57s
